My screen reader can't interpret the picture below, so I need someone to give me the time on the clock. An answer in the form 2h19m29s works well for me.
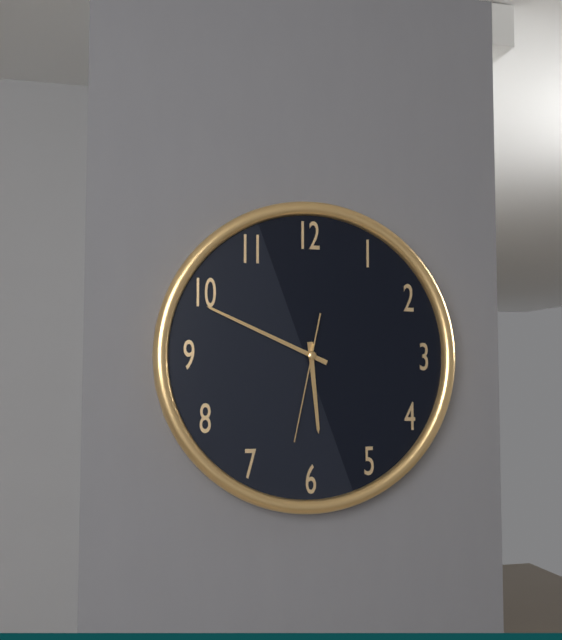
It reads 5h49m32s
